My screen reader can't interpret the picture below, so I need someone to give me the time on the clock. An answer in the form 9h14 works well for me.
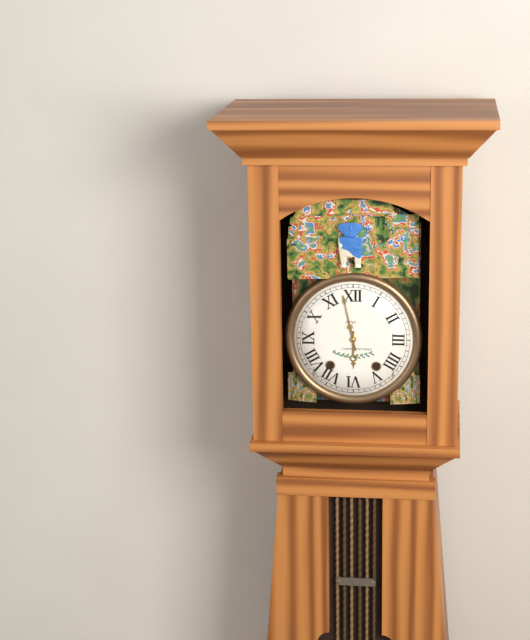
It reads 5h58
